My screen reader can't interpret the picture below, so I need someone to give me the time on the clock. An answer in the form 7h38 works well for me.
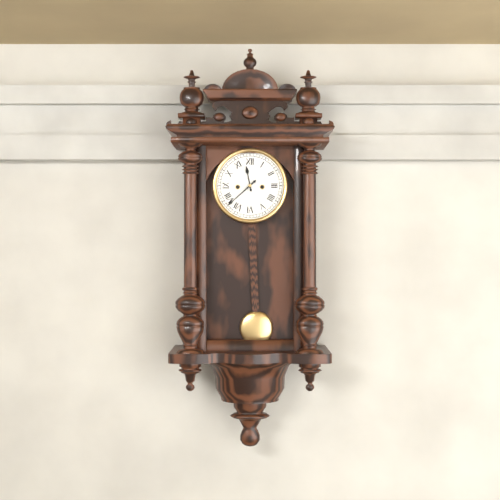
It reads 11h38
